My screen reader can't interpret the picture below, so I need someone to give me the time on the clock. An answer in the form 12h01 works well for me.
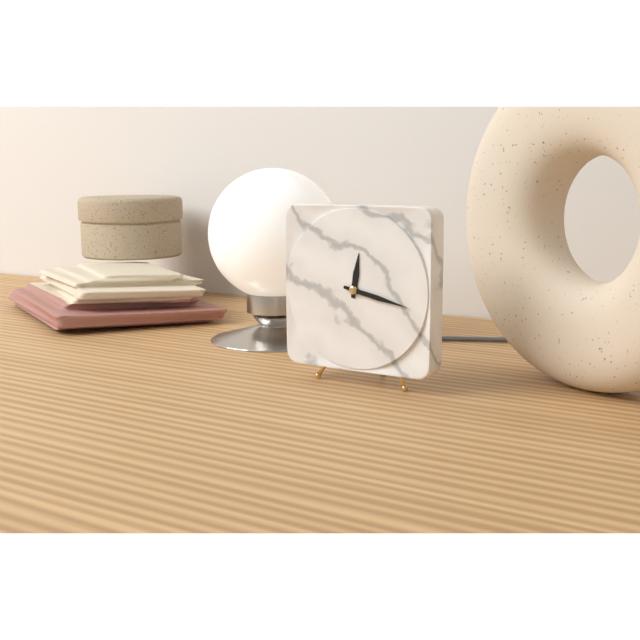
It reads 12h17
